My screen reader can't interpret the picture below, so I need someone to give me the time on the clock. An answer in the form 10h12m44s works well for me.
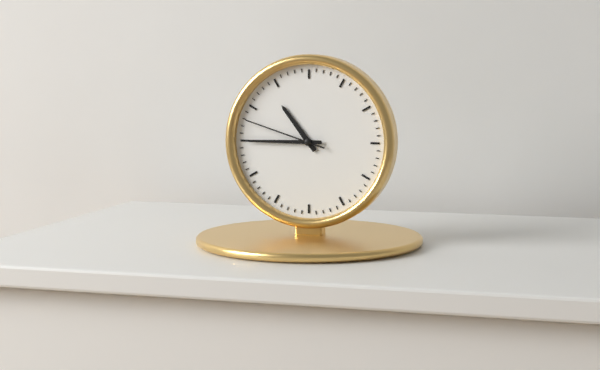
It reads 10h45m48s
